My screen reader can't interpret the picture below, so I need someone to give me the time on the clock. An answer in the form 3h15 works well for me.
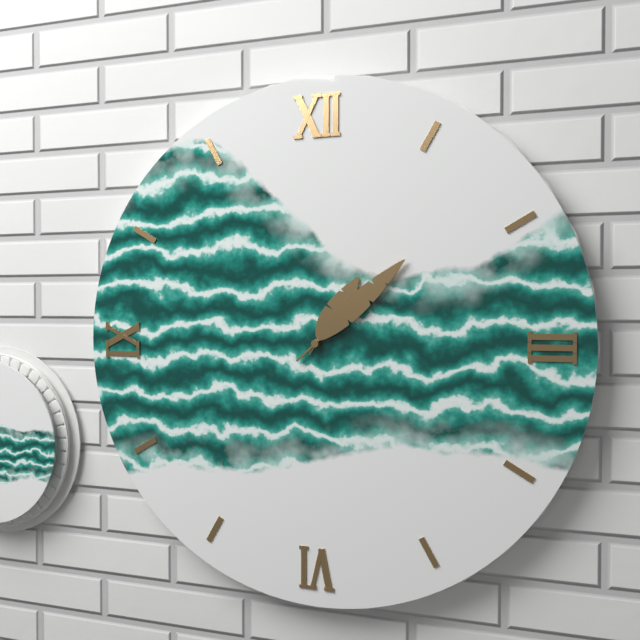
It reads 1h08
